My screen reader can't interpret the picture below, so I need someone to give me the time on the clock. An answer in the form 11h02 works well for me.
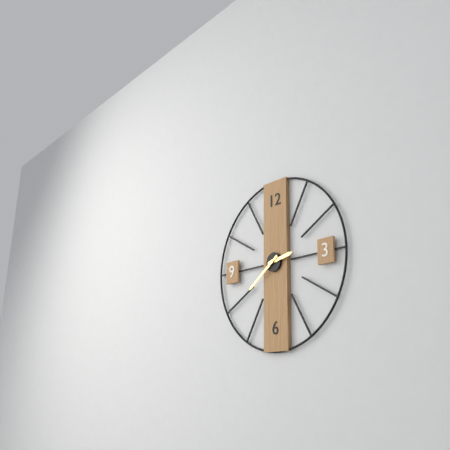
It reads 2h39
